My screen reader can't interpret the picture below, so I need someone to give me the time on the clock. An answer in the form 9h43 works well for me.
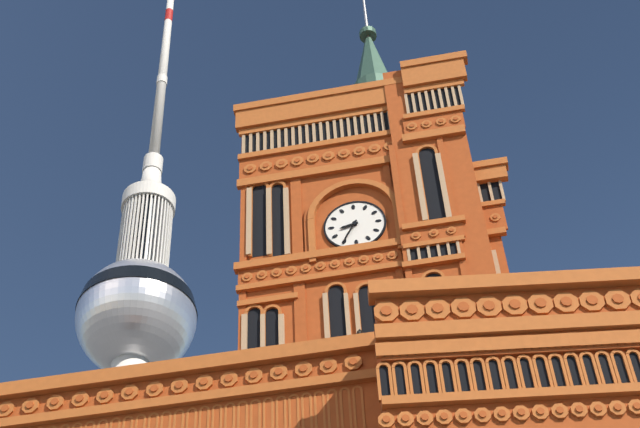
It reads 8h35
